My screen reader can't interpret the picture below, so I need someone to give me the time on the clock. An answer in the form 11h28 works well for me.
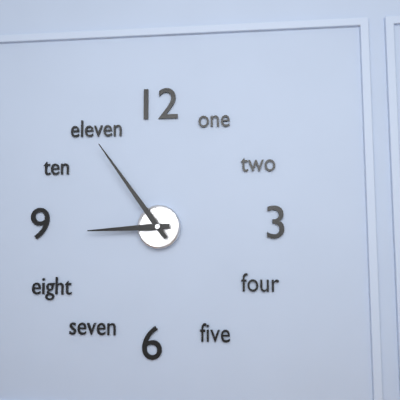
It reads 8h54
